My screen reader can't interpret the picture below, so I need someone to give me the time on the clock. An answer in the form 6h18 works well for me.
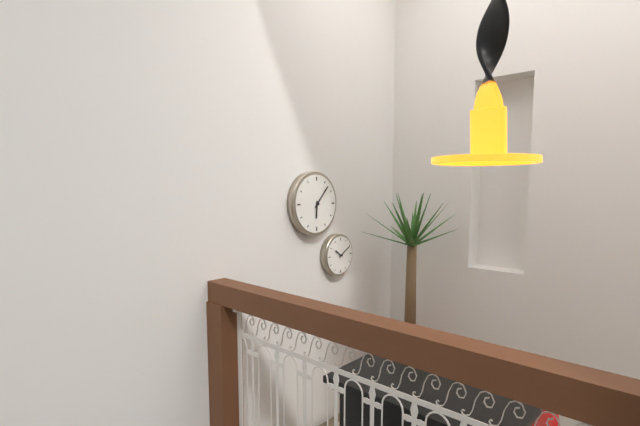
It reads 6h07
